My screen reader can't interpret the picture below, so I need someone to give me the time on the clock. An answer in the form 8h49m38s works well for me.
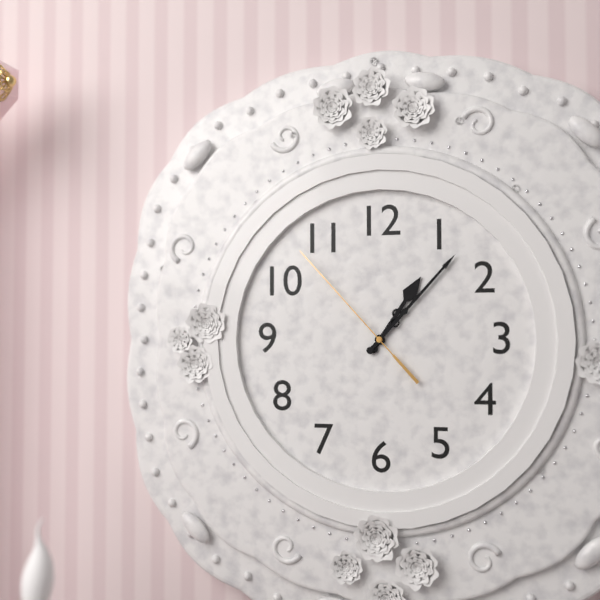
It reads 1h07m53s
